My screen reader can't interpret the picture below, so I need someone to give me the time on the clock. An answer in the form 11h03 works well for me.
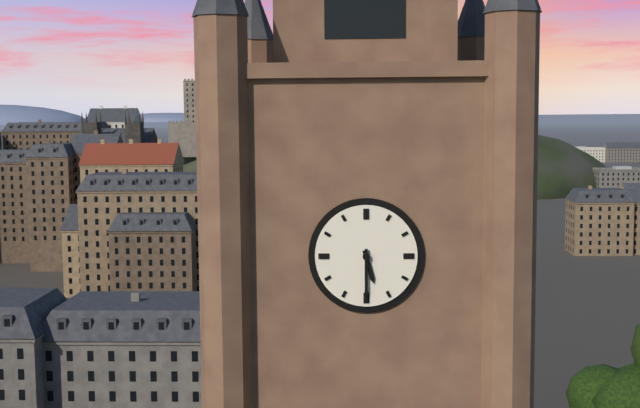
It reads 5h30
